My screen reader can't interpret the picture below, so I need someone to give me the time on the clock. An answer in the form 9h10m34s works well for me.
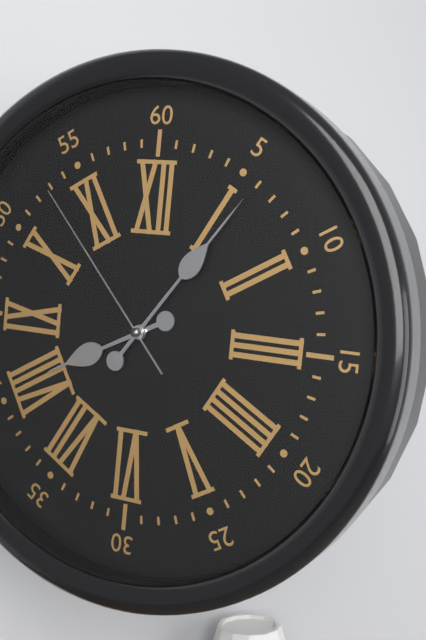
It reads 8h06m53s
